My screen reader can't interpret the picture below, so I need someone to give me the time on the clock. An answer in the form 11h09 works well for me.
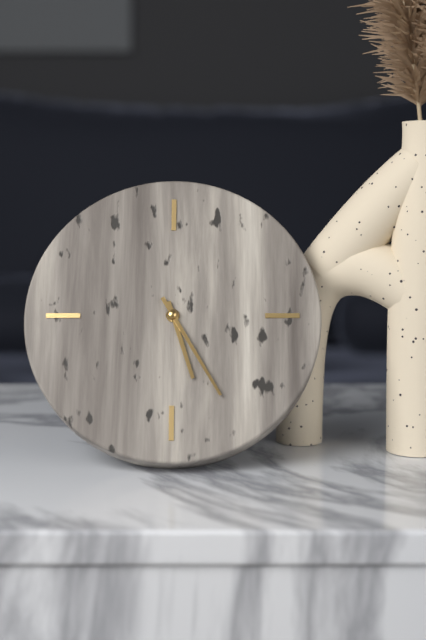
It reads 5h25
